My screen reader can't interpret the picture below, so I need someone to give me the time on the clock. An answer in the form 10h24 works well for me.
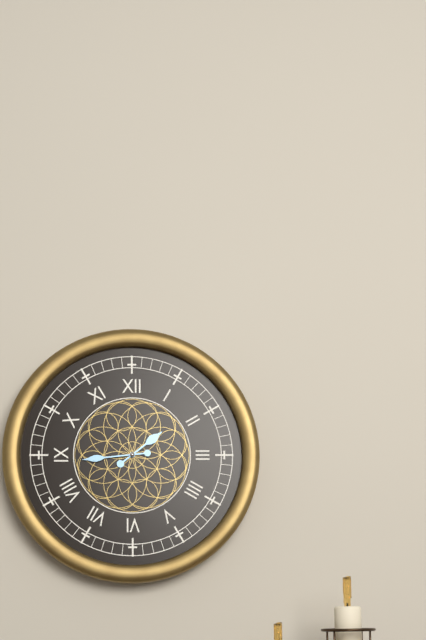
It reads 1h44
